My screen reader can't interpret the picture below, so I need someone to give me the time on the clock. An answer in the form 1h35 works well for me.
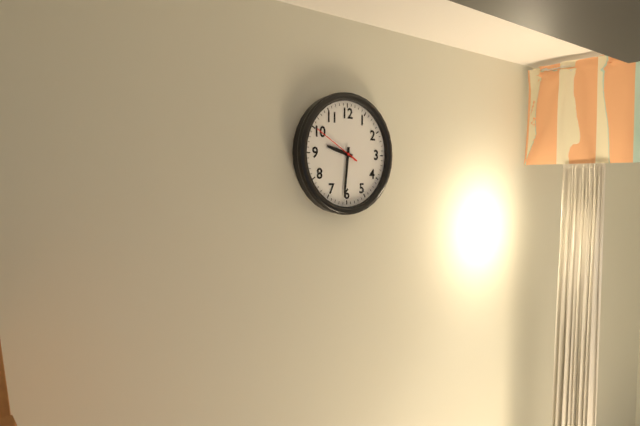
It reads 9h31
